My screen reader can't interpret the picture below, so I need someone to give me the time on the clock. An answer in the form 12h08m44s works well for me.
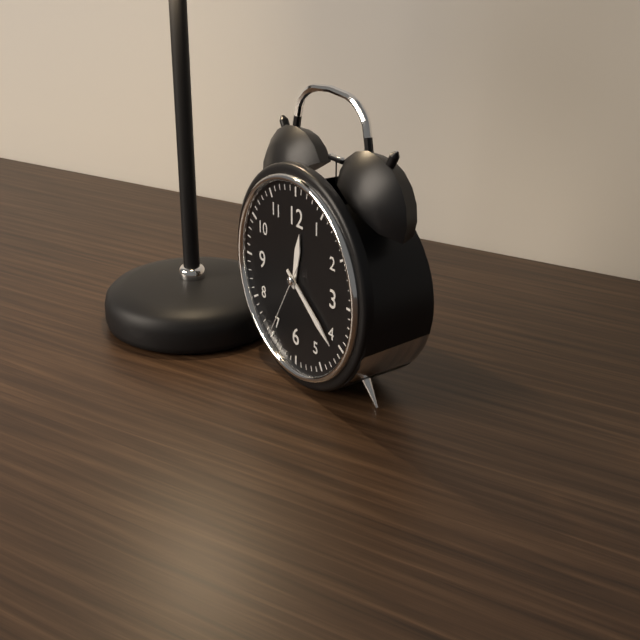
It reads 12h21m35s
